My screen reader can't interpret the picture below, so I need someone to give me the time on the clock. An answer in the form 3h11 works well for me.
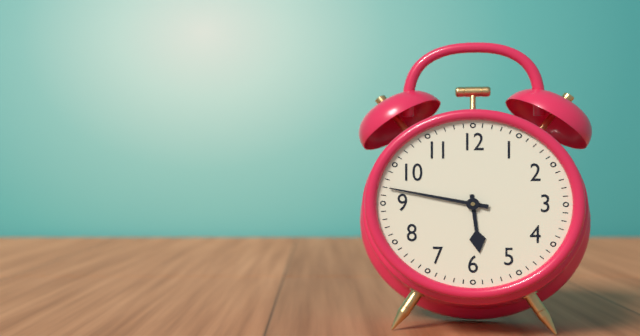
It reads 5h47
